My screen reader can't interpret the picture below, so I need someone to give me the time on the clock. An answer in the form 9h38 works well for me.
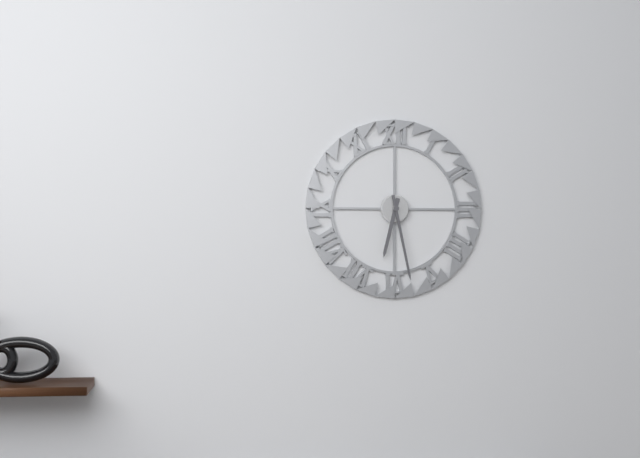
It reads 6h28
